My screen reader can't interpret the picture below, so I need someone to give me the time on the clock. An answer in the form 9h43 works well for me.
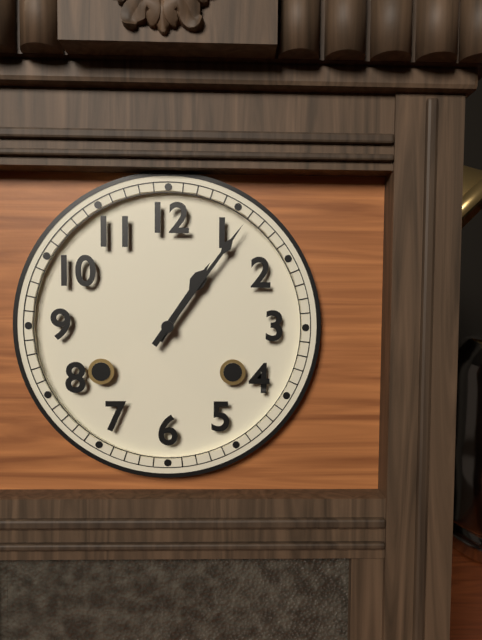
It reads 1h06
